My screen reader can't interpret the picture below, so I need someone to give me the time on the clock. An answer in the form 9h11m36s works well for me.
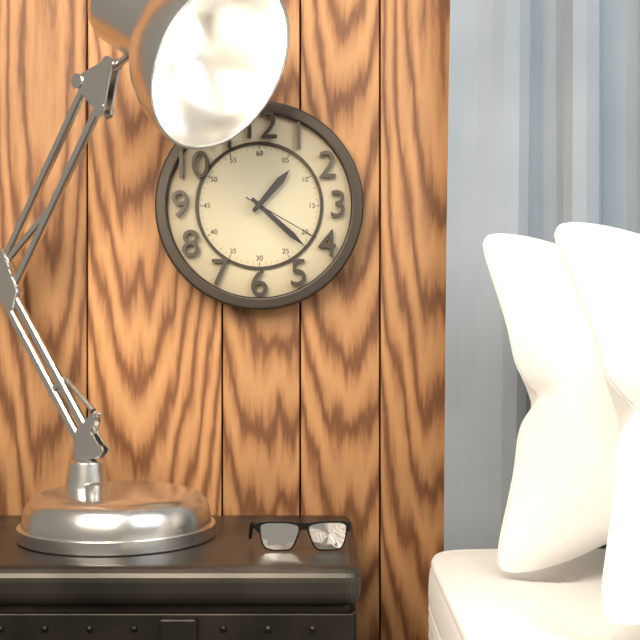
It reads 1h22m20s
